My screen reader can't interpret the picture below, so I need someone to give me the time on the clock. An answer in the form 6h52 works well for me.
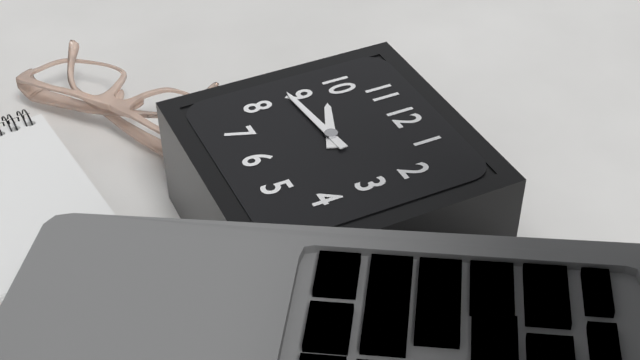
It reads 9h44
